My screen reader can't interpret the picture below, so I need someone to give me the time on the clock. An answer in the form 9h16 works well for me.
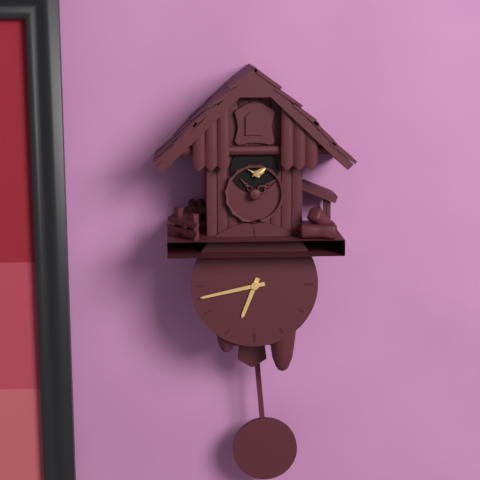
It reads 6h43
